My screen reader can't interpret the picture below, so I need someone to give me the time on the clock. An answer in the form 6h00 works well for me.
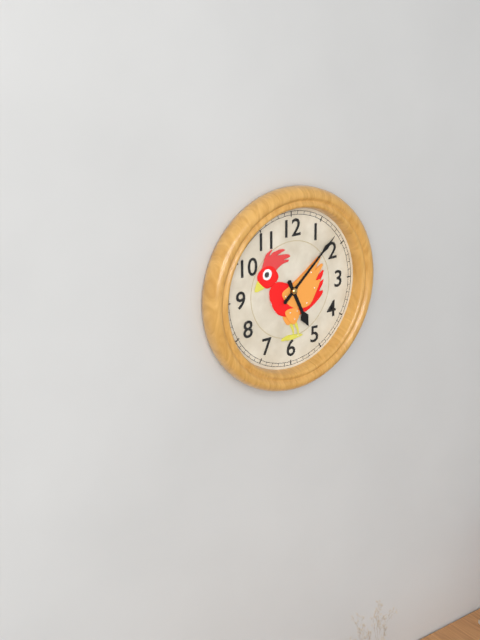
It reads 5h08
